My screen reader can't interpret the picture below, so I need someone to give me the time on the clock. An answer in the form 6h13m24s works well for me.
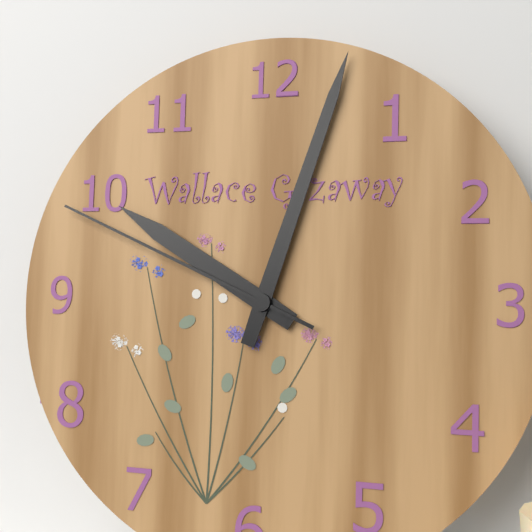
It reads 10h03m49s
